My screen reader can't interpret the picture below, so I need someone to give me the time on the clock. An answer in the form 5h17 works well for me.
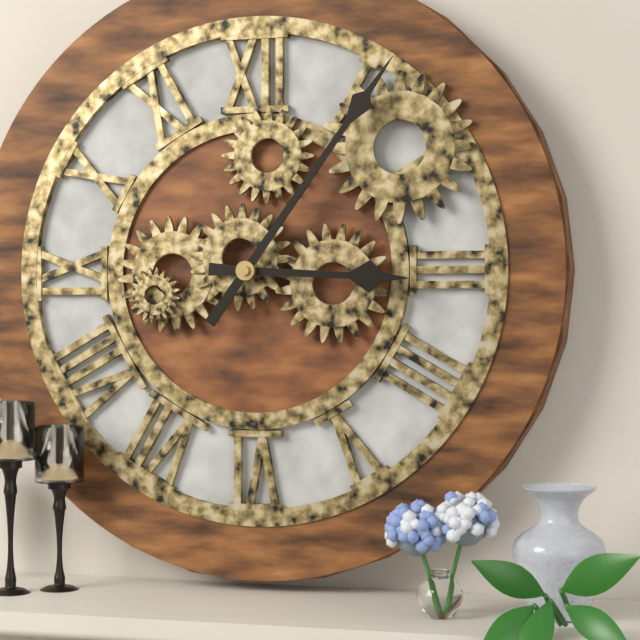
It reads 3h06
